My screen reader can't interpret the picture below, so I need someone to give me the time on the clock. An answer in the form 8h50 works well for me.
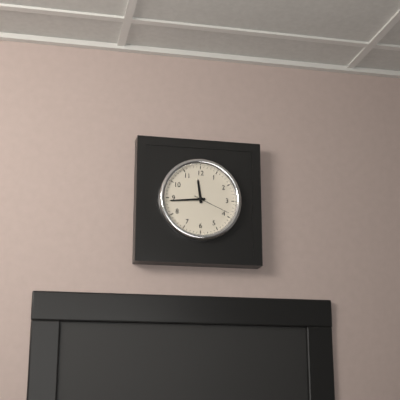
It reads 11h44
